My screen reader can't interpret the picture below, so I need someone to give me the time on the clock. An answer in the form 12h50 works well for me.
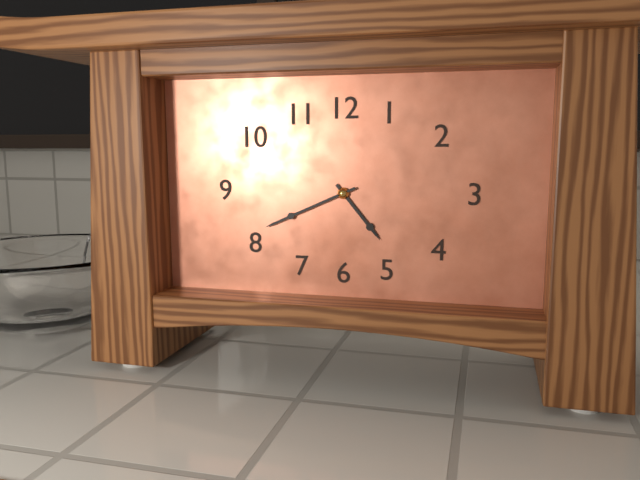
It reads 4h41
